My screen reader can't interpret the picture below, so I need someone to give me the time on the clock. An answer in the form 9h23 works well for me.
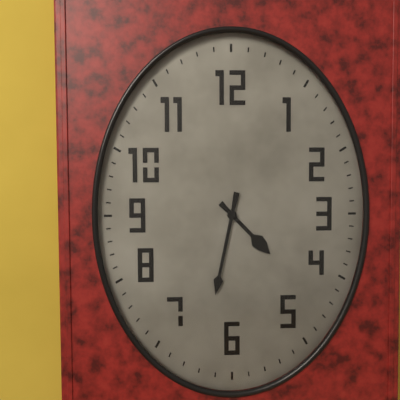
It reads 4h32
